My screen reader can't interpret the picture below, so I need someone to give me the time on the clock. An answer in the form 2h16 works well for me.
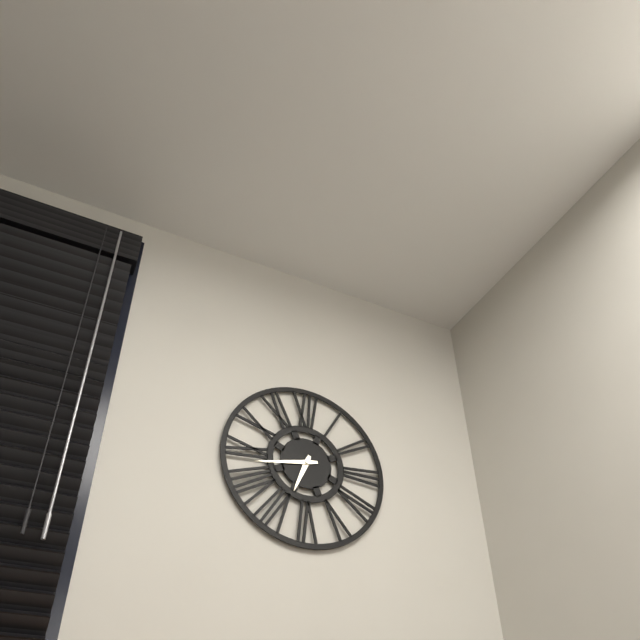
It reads 6h43
